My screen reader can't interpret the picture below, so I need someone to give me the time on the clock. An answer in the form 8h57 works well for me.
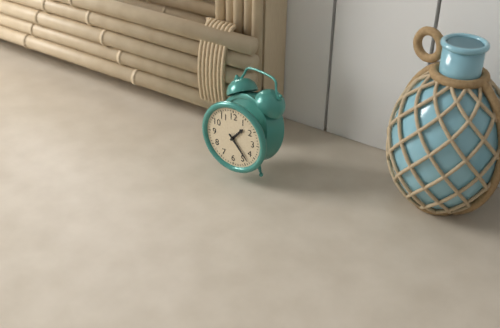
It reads 1h23
